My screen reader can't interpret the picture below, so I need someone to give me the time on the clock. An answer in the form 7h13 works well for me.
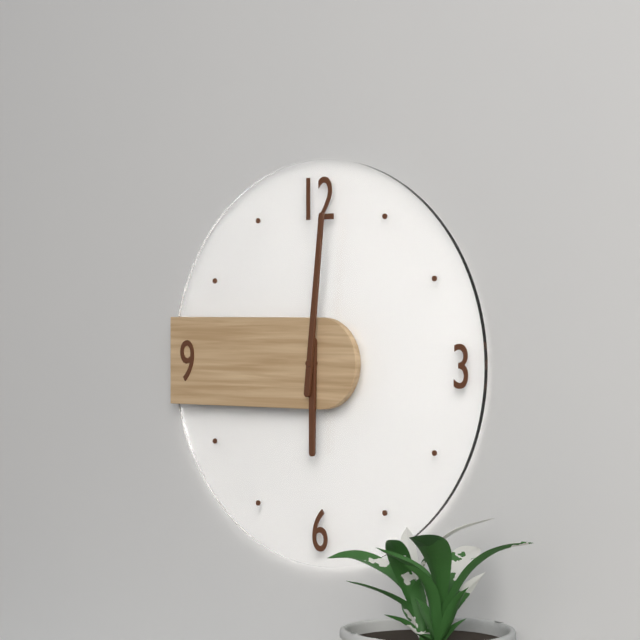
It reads 6h01
